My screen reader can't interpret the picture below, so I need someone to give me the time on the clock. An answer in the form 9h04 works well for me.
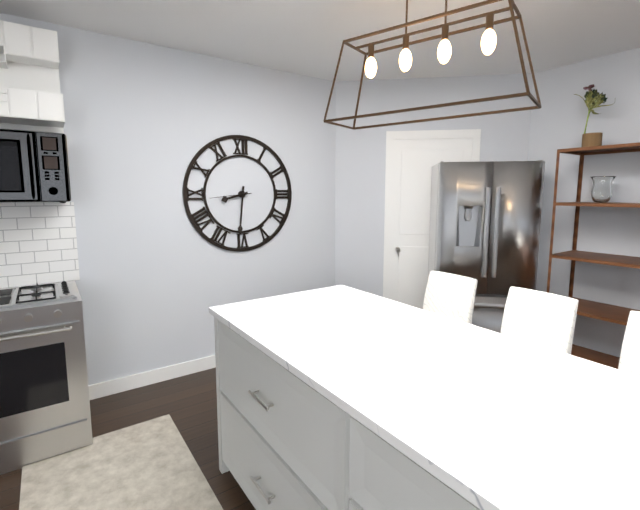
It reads 8h31
